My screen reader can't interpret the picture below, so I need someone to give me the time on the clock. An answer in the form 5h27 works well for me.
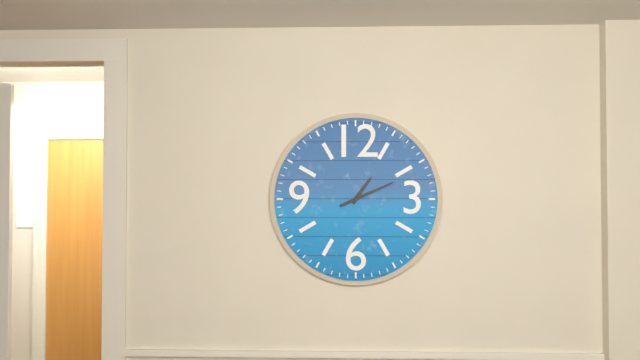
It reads 1h11
